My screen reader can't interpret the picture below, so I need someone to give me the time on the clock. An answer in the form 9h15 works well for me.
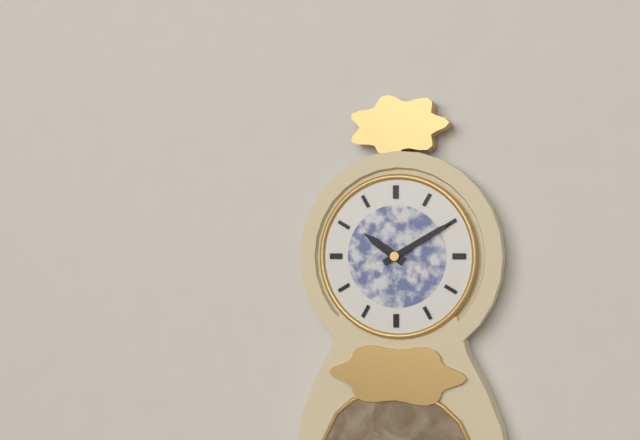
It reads 10h10
